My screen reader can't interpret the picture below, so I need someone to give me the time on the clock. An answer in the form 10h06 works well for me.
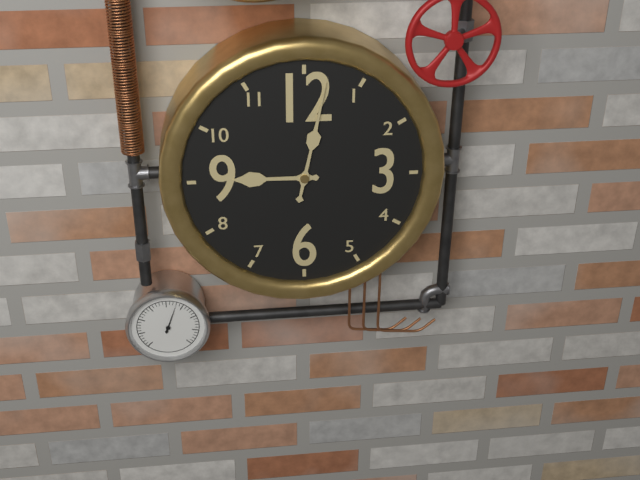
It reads 9h02
